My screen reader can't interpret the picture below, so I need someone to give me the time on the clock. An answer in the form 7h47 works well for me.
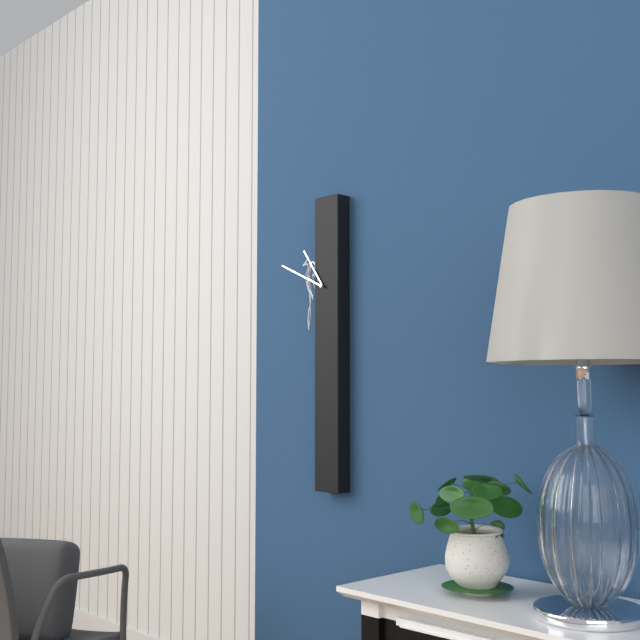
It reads 10h49
